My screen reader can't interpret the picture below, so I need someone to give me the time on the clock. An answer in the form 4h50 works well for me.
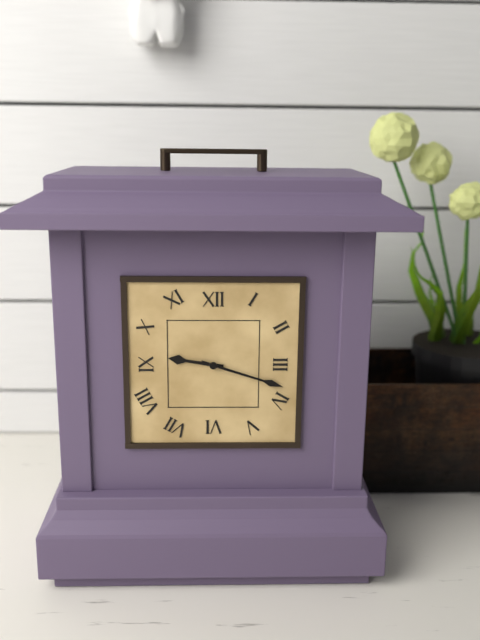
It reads 9h18
